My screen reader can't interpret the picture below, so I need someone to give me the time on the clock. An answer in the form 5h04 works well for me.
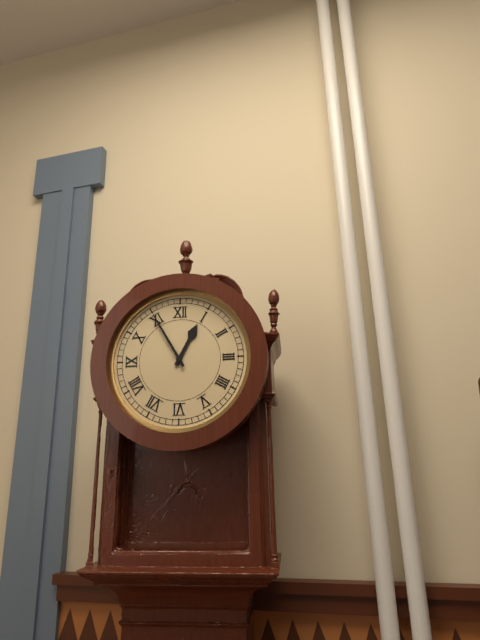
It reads 12h55
